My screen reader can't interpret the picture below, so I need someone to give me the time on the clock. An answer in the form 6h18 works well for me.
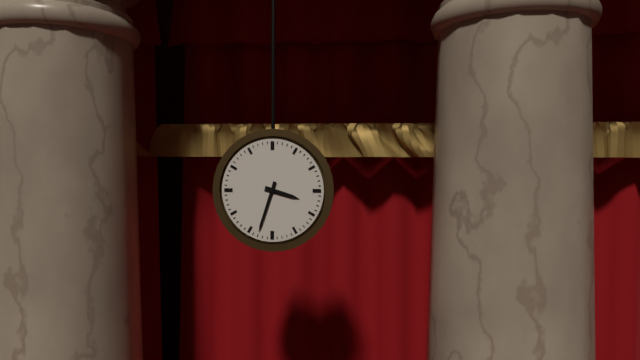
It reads 3h33
